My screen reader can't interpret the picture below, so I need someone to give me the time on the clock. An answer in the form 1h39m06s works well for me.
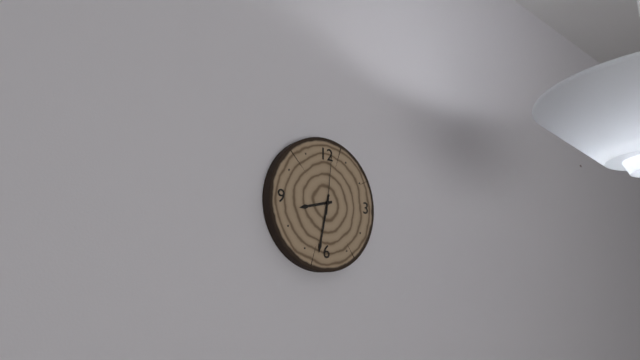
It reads 8h32m01s
